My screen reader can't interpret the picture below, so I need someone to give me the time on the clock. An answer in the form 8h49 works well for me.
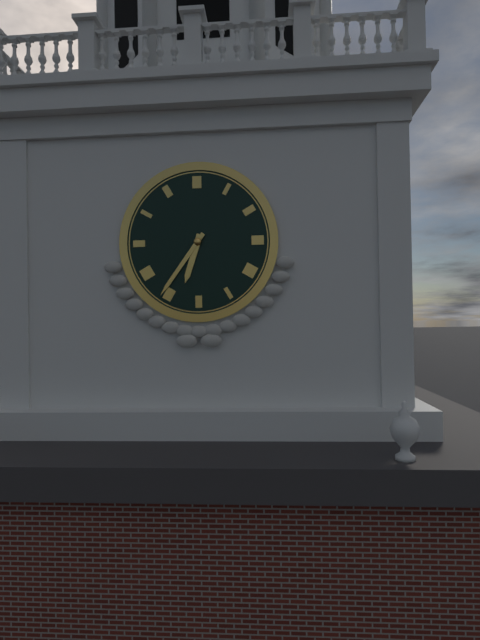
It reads 6h36
